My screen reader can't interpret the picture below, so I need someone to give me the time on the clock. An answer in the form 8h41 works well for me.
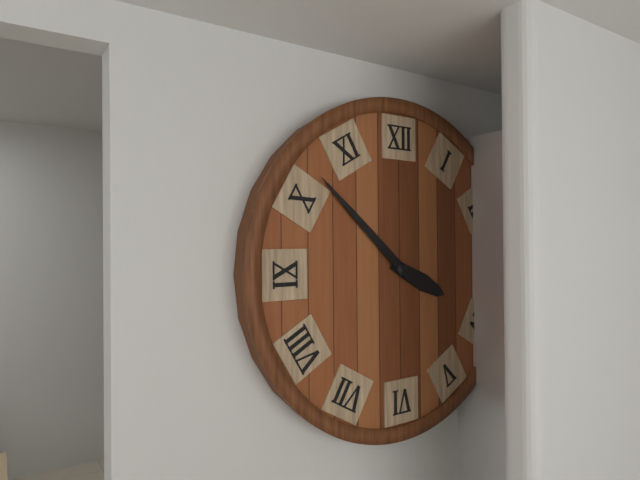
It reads 3h52
